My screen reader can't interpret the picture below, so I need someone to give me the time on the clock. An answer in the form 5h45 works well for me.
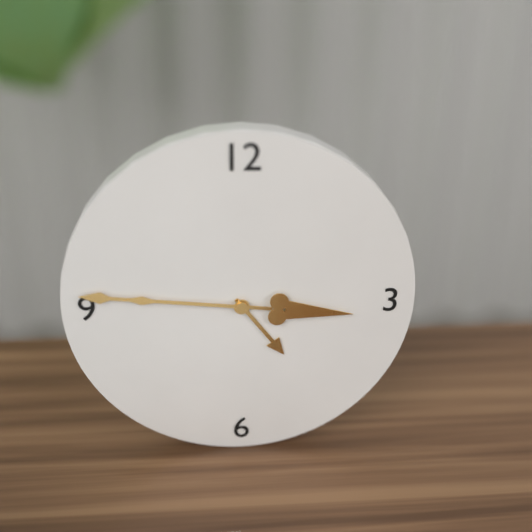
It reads 4h46
